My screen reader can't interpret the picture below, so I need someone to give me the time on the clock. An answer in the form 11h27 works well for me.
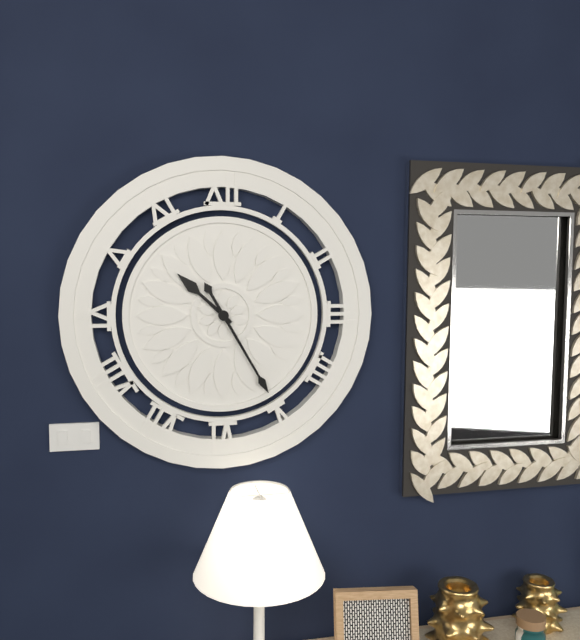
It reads 10h25
